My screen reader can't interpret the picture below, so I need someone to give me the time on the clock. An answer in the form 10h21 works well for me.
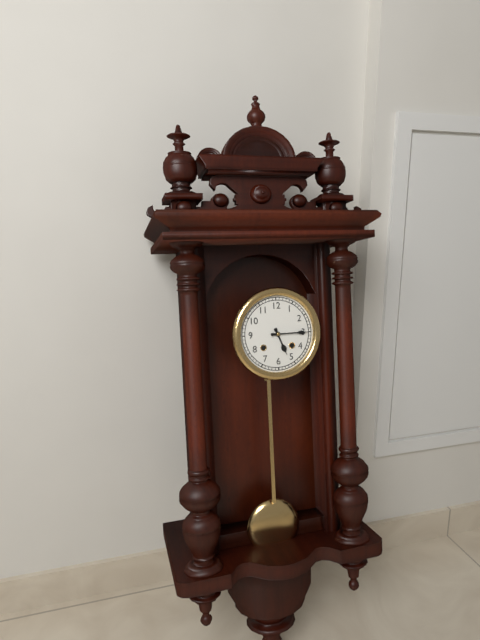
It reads 5h15
